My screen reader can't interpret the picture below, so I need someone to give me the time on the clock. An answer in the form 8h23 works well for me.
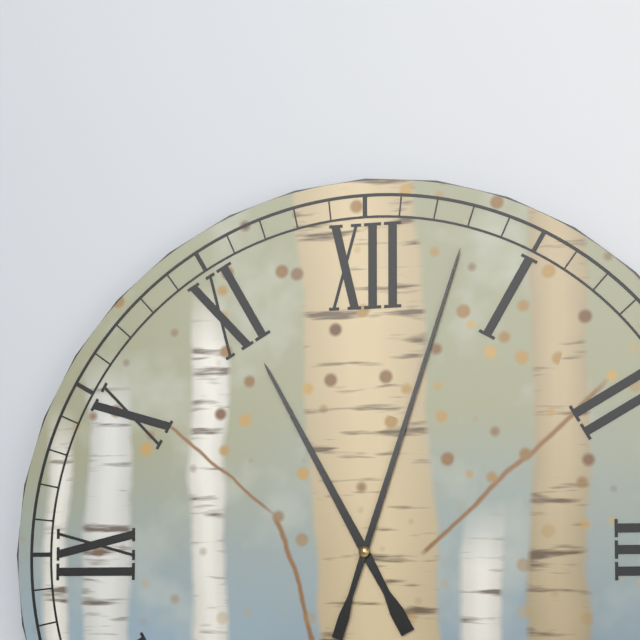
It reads 11h03
